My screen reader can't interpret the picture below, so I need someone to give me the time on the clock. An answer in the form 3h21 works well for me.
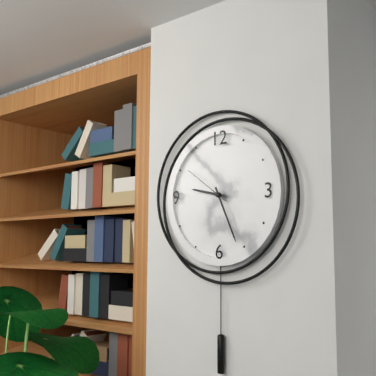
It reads 9h26
